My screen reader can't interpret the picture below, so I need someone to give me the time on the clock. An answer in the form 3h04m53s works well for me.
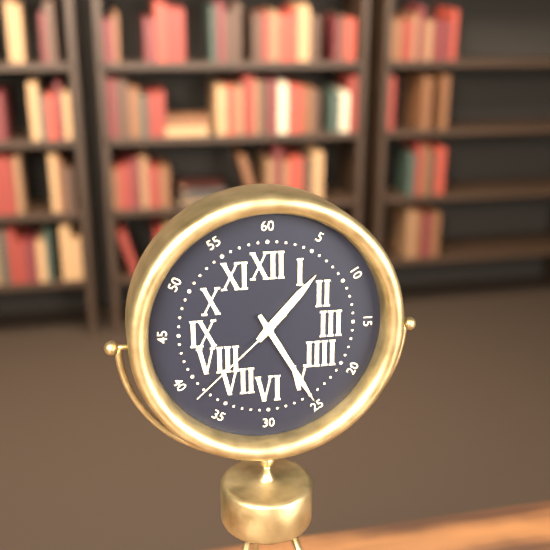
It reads 1h25m38s
